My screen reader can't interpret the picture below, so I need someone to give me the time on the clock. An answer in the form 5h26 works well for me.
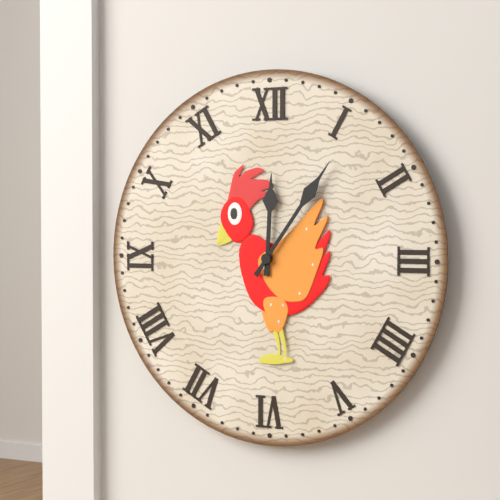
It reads 12h06
